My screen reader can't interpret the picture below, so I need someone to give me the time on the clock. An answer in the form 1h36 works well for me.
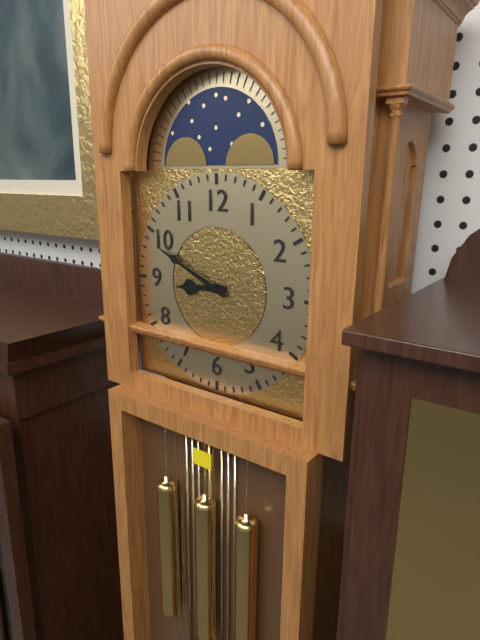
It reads 8h49
